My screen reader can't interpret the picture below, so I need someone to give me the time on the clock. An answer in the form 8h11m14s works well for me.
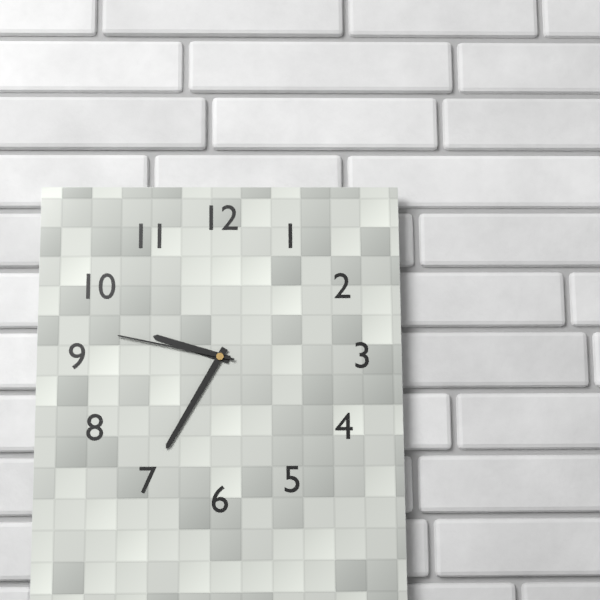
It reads 9h35m47s
